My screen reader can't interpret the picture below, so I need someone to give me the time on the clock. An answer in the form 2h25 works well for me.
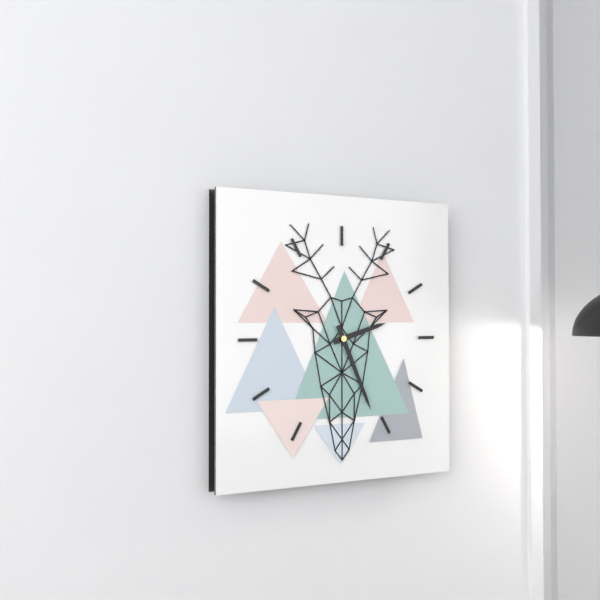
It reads 2h26
